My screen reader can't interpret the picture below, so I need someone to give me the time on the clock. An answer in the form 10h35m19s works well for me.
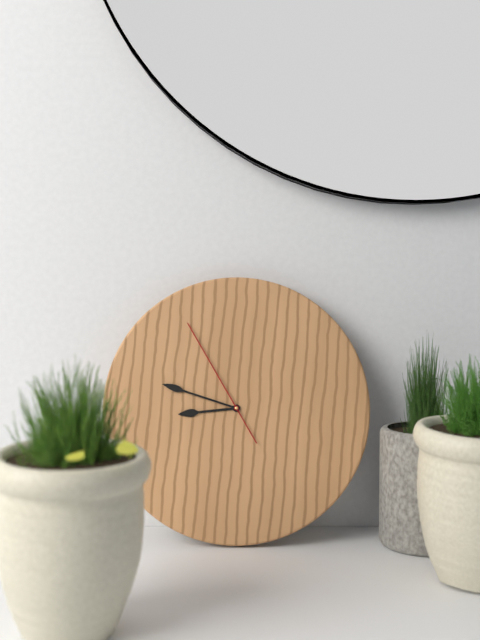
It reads 8h48m55s
